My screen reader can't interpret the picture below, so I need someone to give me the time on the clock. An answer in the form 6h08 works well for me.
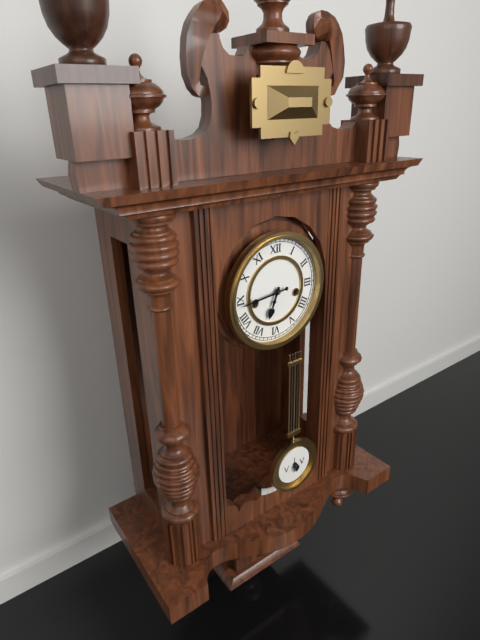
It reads 6h44
